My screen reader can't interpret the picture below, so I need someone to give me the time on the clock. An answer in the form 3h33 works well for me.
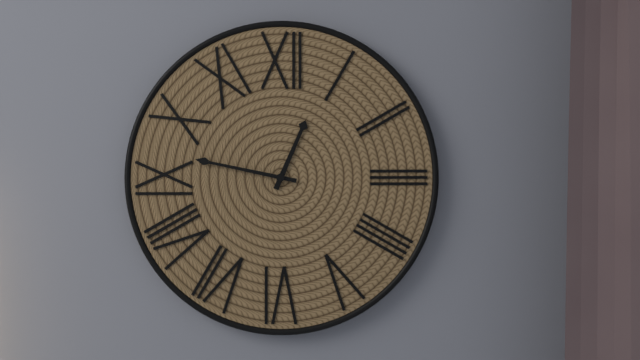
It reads 12h47
